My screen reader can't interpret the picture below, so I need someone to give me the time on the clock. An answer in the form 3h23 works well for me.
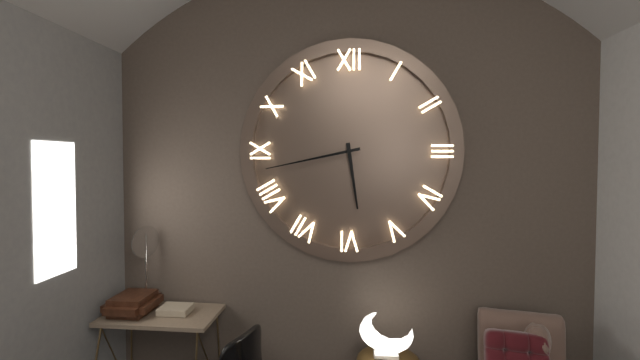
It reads 5h43
